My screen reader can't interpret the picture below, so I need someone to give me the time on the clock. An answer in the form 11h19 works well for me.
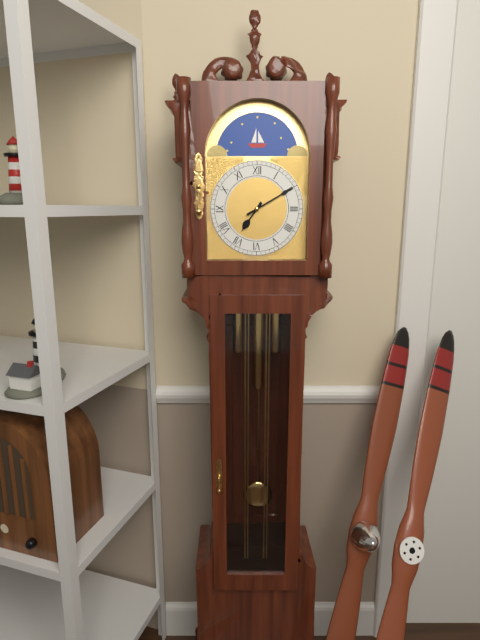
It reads 7h10
